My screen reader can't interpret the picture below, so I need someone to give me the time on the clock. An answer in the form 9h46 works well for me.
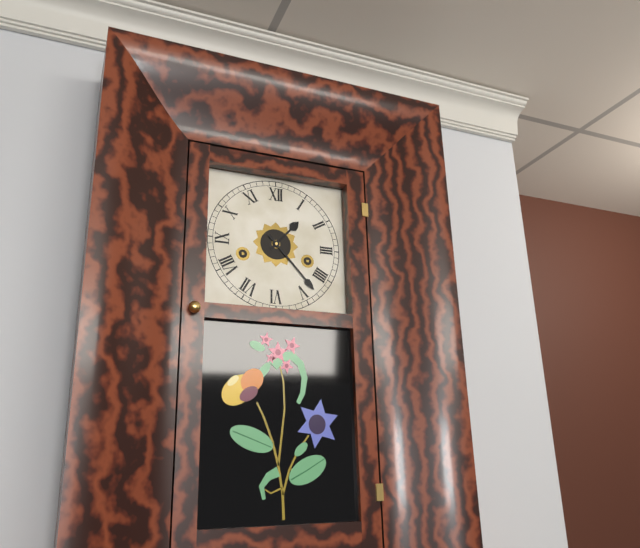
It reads 1h23
